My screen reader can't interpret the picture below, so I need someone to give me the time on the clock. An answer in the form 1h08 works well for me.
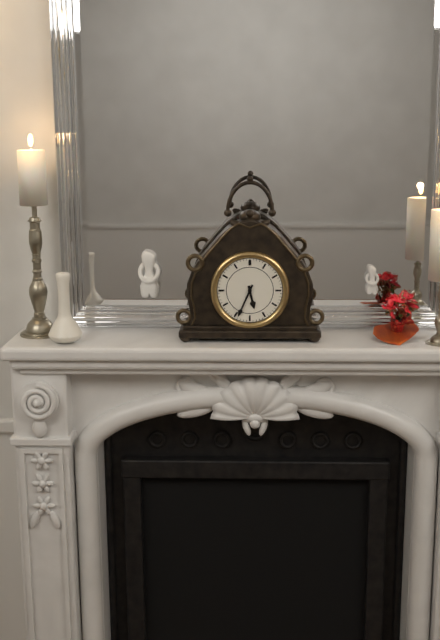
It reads 5h34
